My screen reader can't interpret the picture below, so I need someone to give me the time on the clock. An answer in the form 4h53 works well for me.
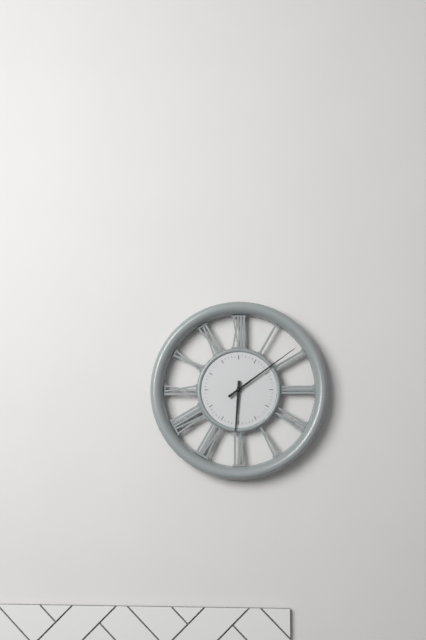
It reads 6h09
